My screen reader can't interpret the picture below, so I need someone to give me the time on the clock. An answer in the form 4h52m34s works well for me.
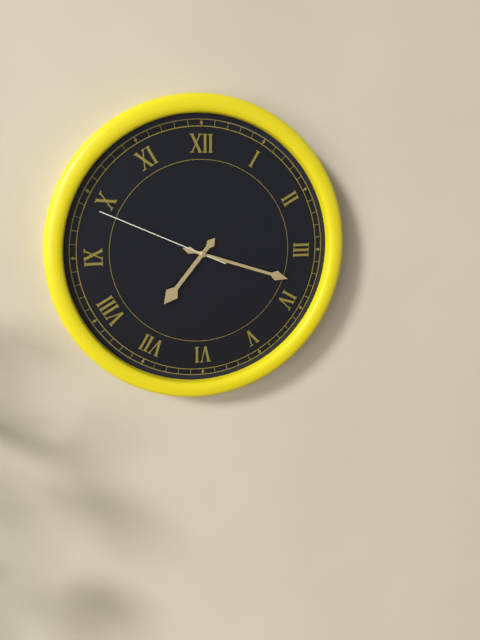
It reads 7h18m49s
